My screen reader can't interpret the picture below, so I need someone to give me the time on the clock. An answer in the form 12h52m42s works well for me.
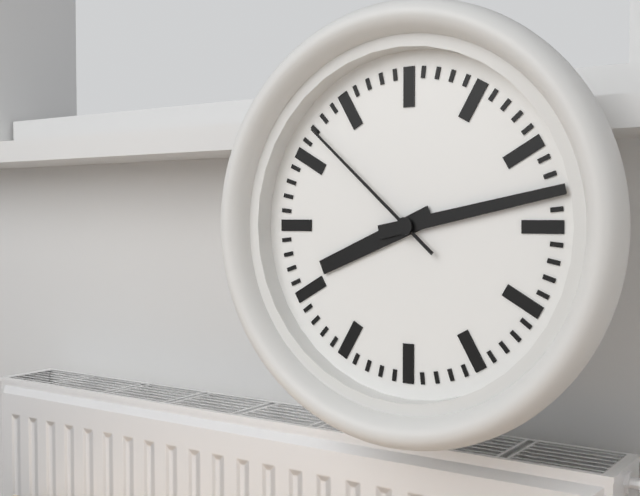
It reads 8h13m52s
